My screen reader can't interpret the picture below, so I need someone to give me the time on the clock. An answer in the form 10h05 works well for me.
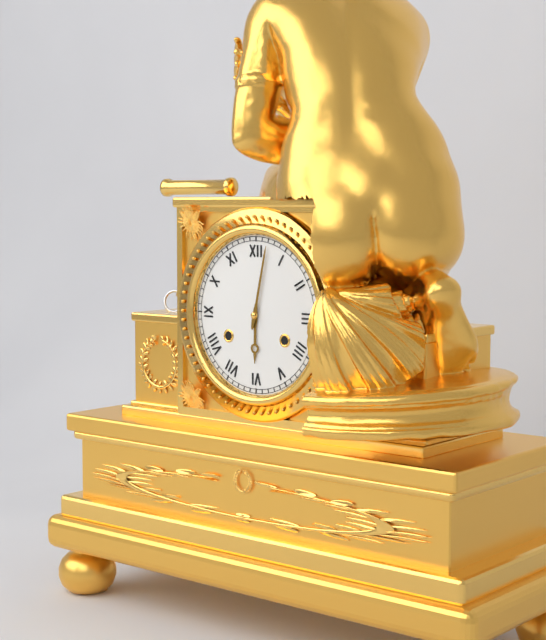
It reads 6h02
